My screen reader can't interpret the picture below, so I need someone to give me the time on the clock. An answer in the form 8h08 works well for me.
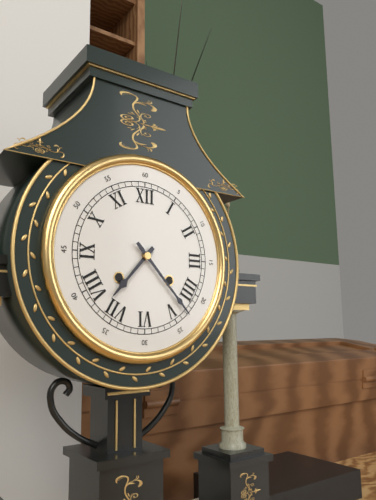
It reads 7h23
